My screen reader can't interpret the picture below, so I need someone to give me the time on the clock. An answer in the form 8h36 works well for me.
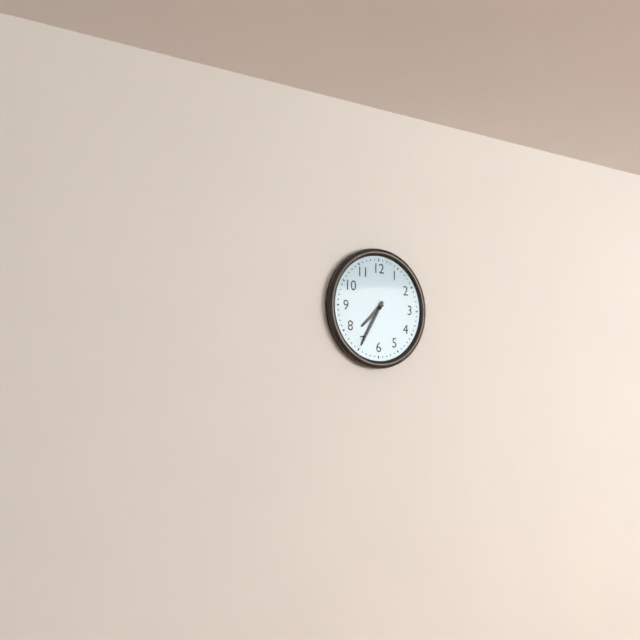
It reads 7h35
